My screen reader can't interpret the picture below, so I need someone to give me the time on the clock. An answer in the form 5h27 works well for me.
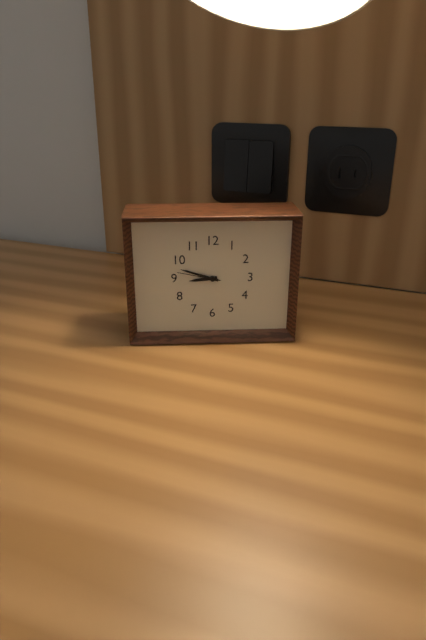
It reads 8h48
